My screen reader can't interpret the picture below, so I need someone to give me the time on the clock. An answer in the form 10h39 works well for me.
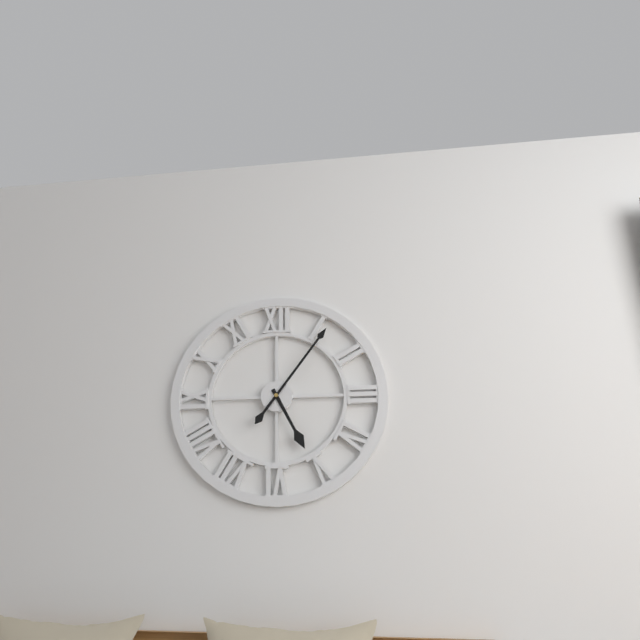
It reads 5h06
